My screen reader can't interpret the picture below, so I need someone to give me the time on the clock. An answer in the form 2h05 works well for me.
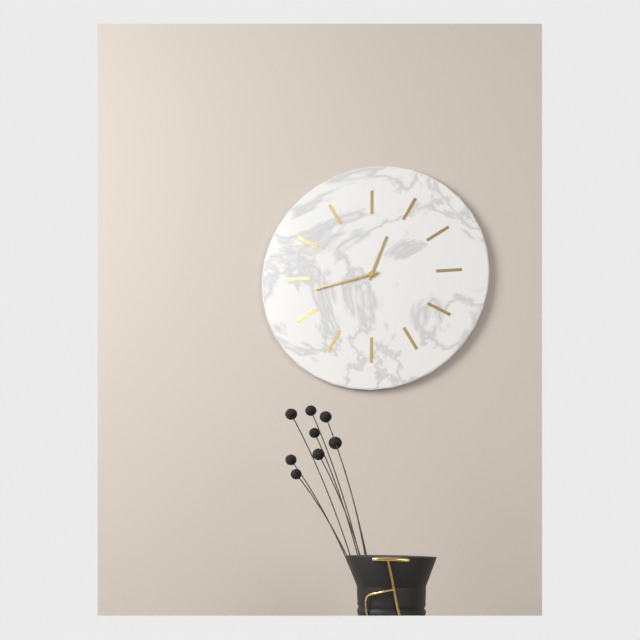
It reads 12h43
